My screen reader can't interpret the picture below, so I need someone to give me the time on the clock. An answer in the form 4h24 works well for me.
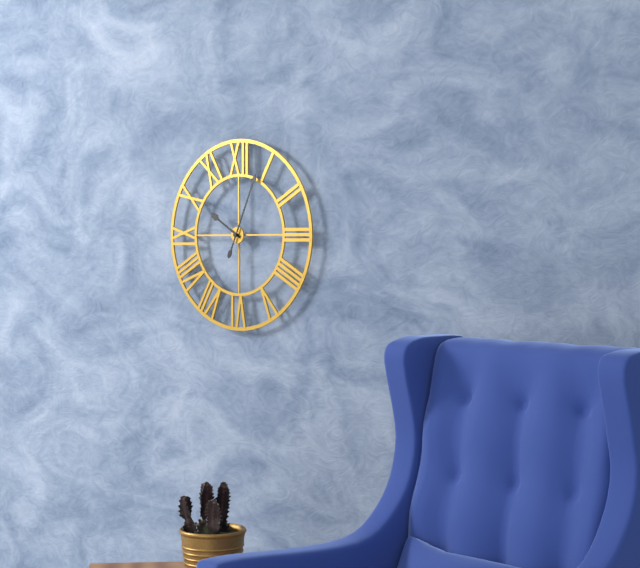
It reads 10h04
